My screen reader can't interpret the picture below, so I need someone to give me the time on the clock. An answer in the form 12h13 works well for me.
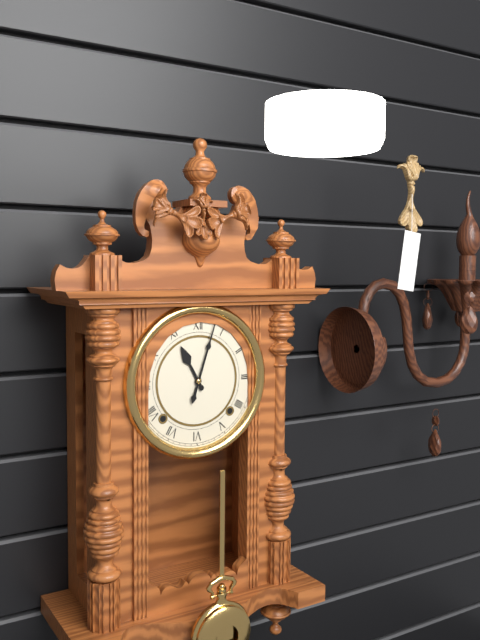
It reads 11h03
